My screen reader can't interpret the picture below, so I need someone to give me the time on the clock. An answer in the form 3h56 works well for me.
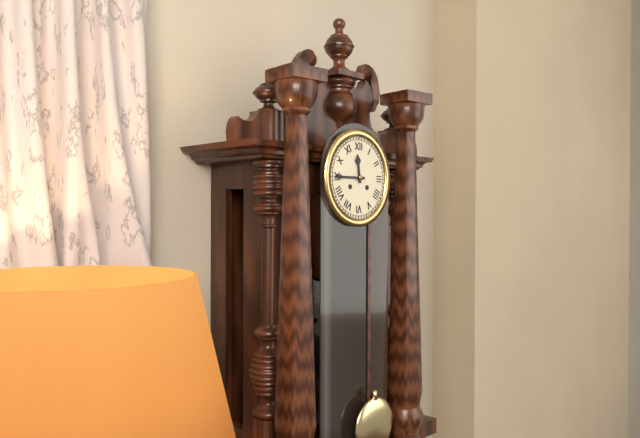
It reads 11h45
